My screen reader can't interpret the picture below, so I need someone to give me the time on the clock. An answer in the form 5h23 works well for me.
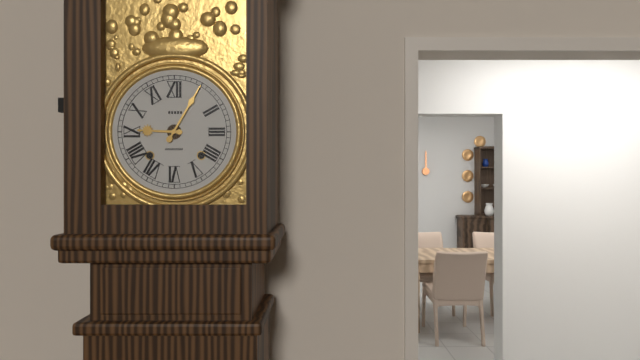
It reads 9h05
